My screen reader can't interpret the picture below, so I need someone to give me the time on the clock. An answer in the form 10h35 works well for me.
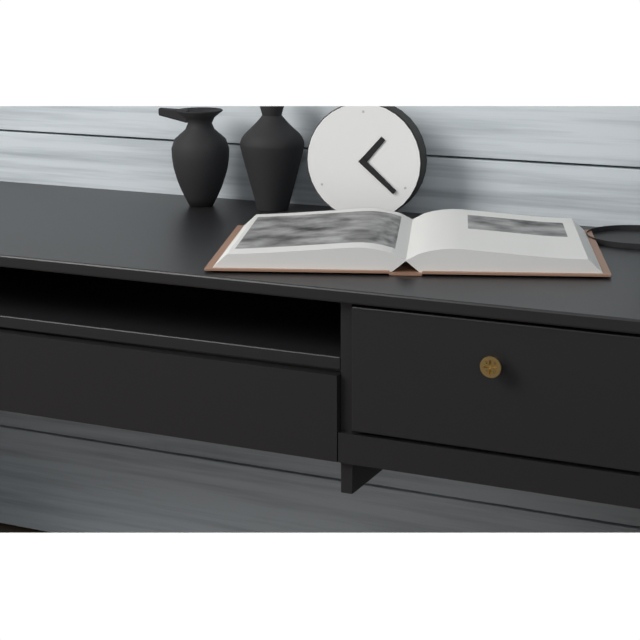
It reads 1h22
